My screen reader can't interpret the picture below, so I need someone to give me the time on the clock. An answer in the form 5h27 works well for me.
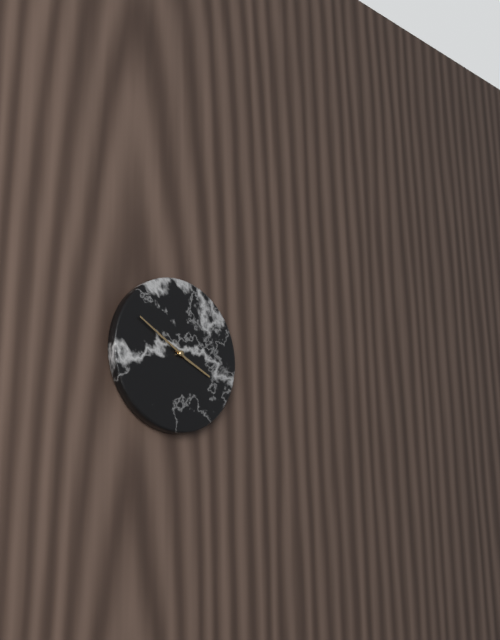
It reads 3h50
